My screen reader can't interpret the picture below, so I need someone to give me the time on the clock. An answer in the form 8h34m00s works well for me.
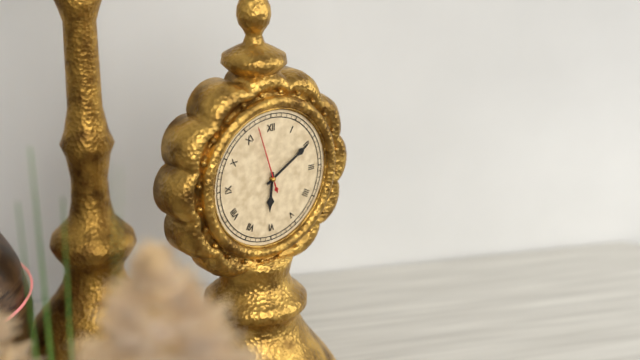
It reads 6h10m57s
